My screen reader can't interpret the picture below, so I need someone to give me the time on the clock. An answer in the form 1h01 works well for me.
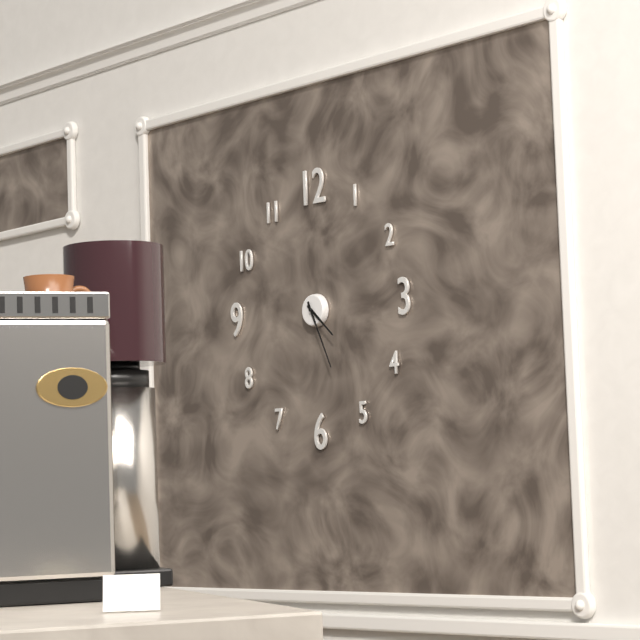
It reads 4h26
